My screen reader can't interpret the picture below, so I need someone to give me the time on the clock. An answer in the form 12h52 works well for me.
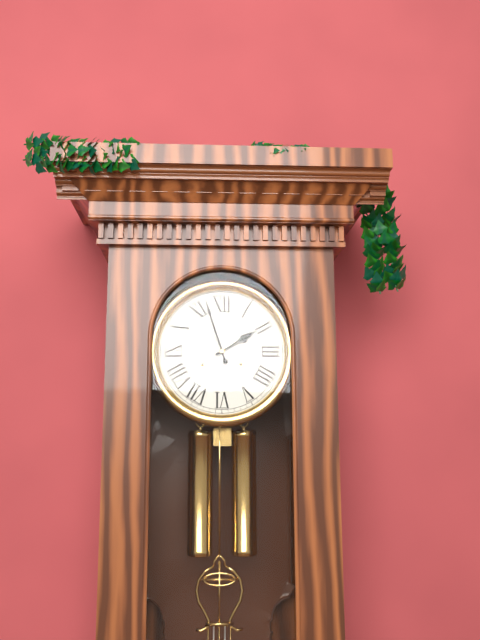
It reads 1h57
